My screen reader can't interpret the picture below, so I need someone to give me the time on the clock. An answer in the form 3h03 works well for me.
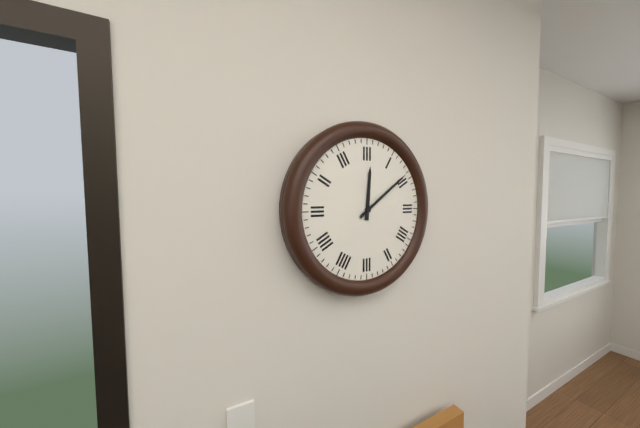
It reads 12h09
